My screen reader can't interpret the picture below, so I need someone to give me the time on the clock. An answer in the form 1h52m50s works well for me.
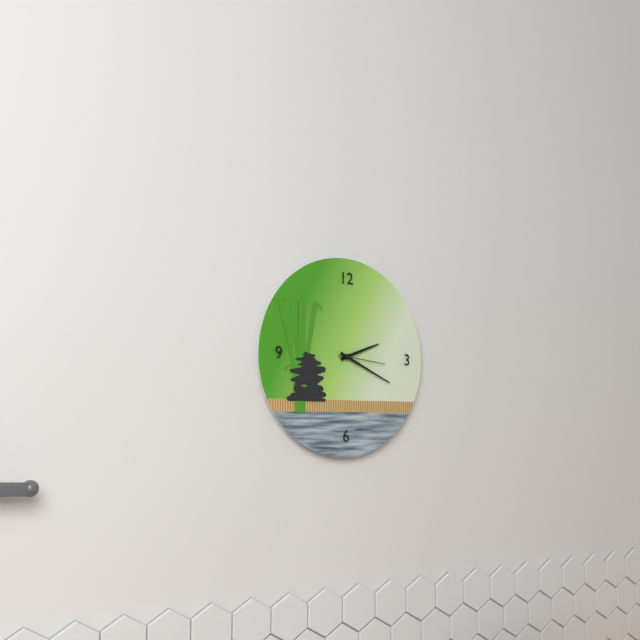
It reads 2h19m16s
